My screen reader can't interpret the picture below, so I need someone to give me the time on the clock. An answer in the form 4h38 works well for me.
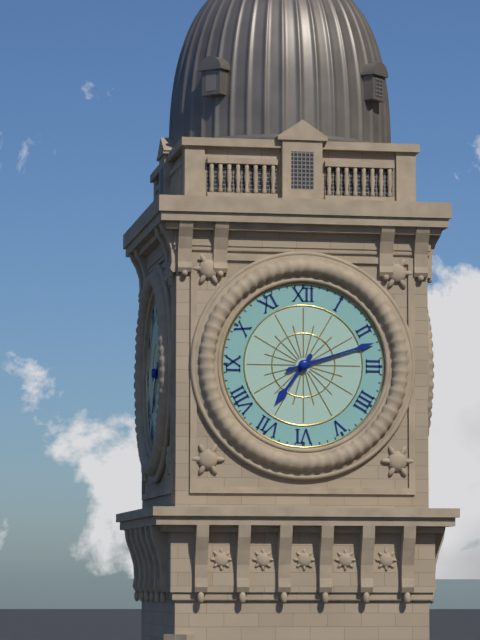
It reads 7h12
